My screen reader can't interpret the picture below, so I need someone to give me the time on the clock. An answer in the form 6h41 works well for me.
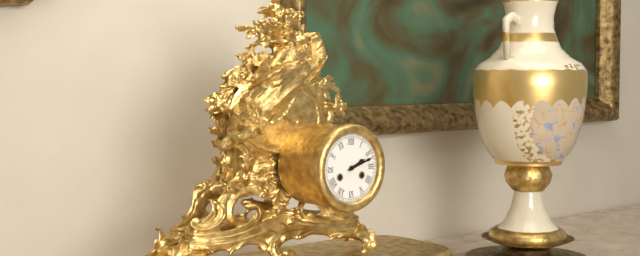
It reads 2h12
